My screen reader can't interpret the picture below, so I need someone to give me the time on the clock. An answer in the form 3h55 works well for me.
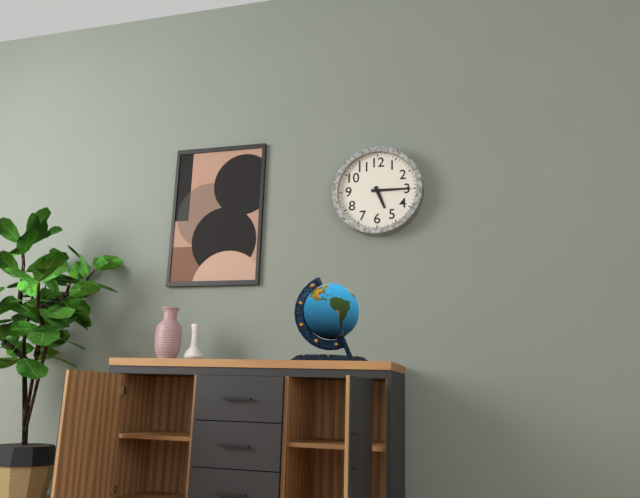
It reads 5h15
